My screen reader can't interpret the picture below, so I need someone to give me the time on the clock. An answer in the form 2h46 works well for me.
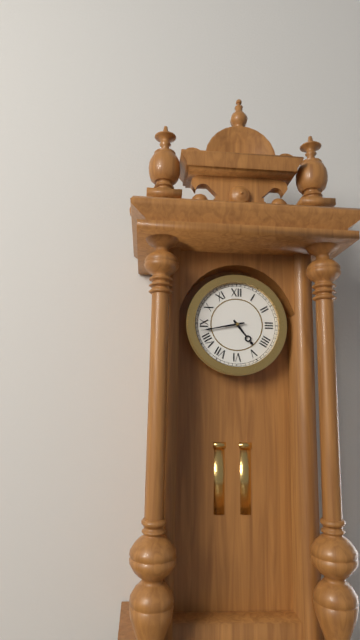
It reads 4h43
